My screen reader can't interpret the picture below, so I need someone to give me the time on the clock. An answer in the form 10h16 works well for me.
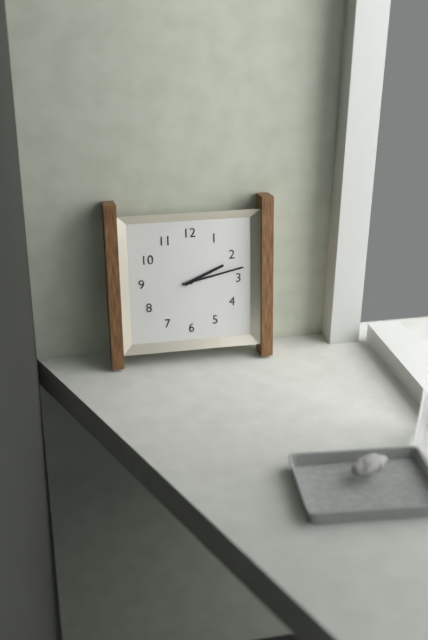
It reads 2h13
